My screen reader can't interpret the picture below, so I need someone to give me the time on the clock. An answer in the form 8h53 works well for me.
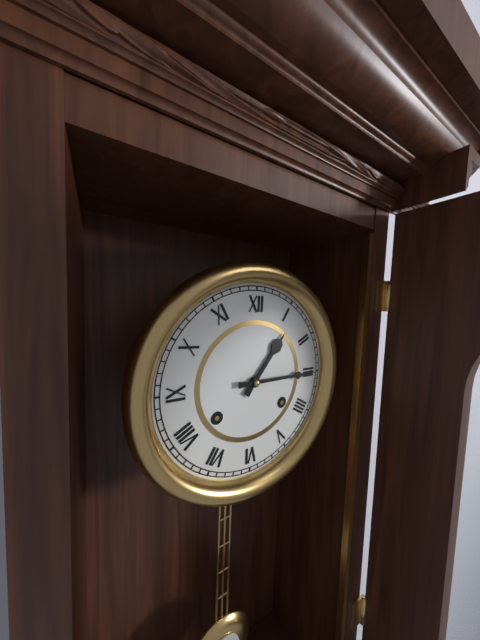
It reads 1h15
